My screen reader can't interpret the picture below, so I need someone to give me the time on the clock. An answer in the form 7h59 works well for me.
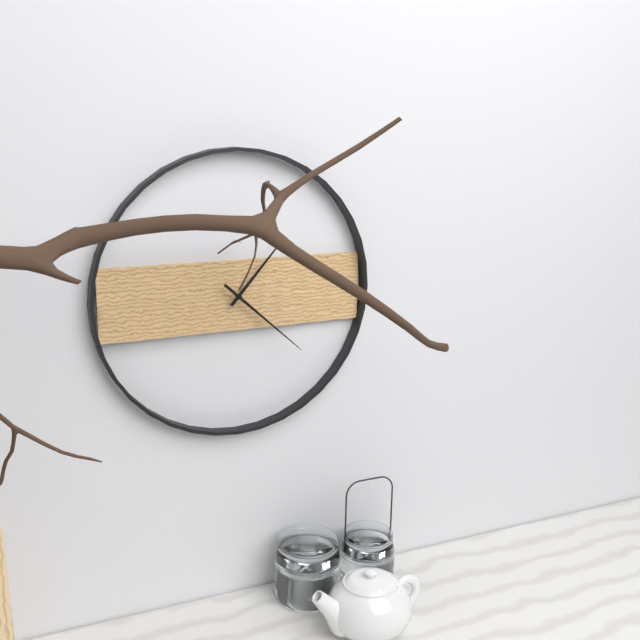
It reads 1h22
